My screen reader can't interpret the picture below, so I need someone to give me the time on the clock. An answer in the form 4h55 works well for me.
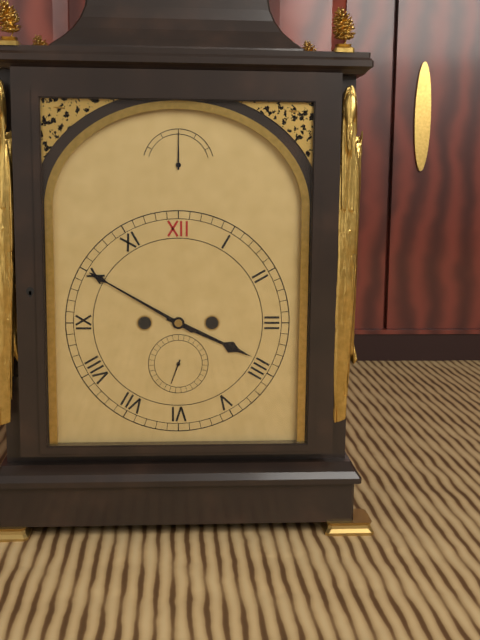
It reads 3h50
